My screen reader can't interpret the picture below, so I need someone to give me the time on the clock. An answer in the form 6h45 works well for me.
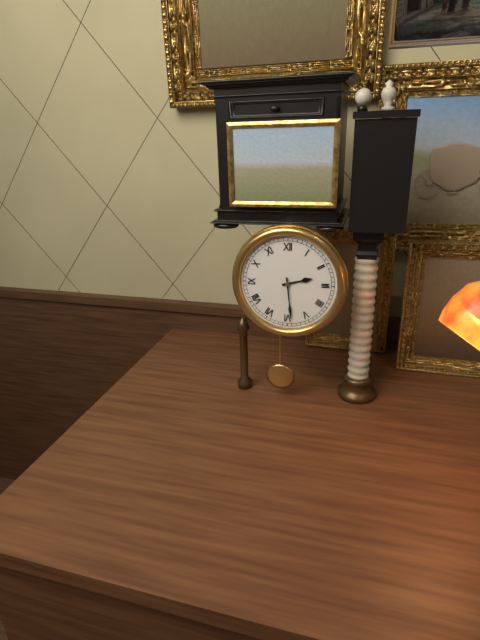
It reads 2h29
